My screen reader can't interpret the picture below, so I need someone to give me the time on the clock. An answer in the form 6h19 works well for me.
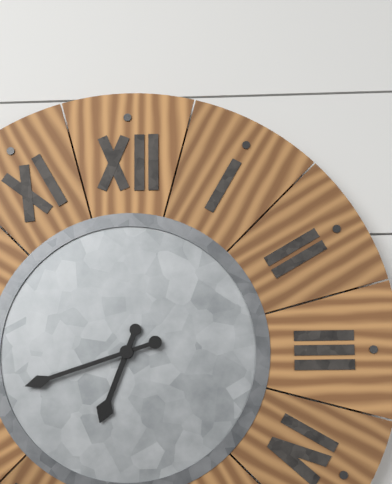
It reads 6h42
